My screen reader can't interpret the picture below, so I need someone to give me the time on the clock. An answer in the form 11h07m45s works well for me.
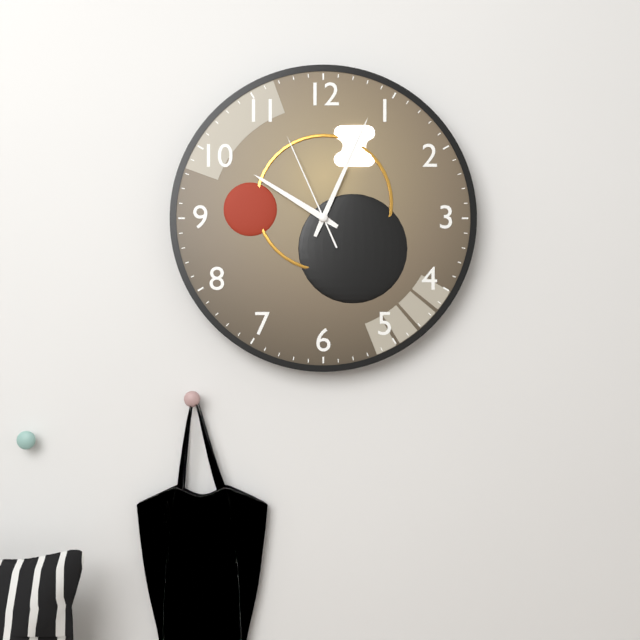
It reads 10h04m56s
